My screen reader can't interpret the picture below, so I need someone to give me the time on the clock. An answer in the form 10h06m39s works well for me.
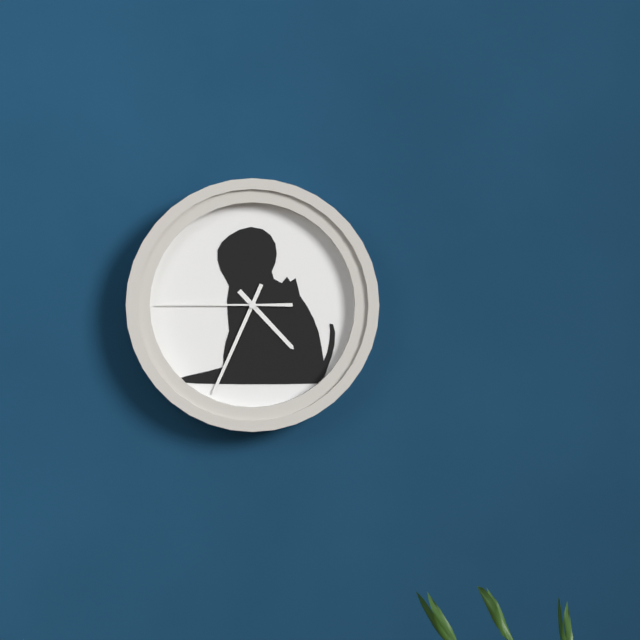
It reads 4h34m45s
